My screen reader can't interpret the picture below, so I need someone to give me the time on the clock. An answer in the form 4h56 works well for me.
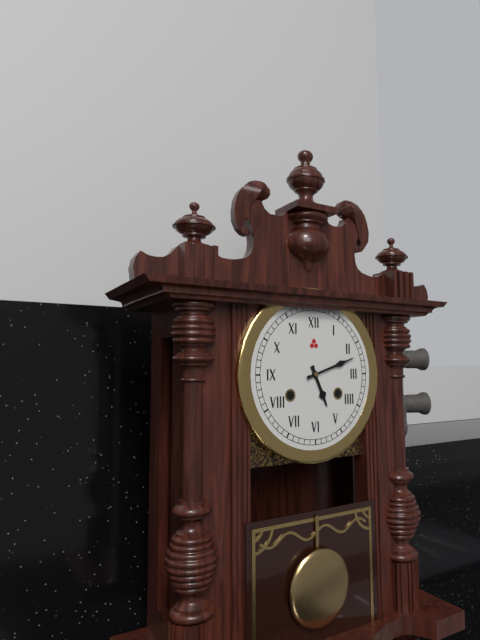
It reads 5h12
